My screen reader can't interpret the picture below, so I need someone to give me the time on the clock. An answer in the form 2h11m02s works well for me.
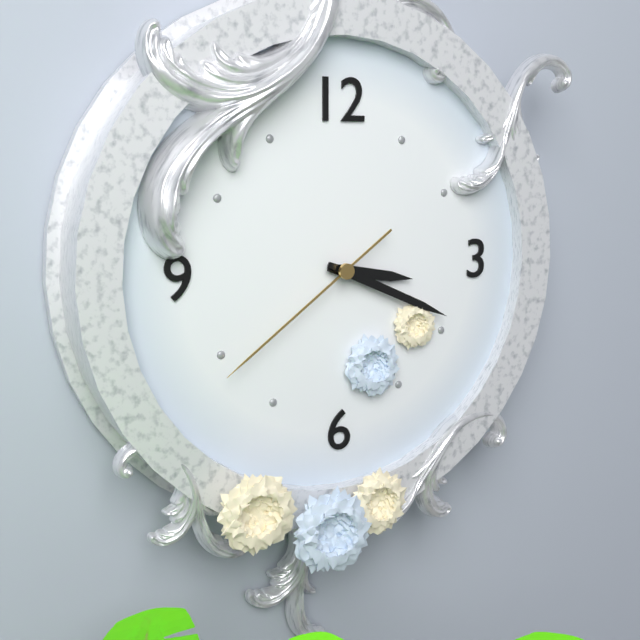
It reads 3h19m39s
